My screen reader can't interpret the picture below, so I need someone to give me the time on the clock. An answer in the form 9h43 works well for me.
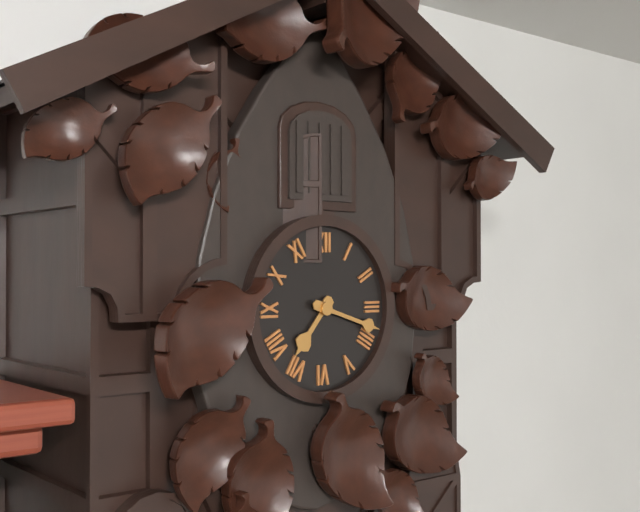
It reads 7h18
